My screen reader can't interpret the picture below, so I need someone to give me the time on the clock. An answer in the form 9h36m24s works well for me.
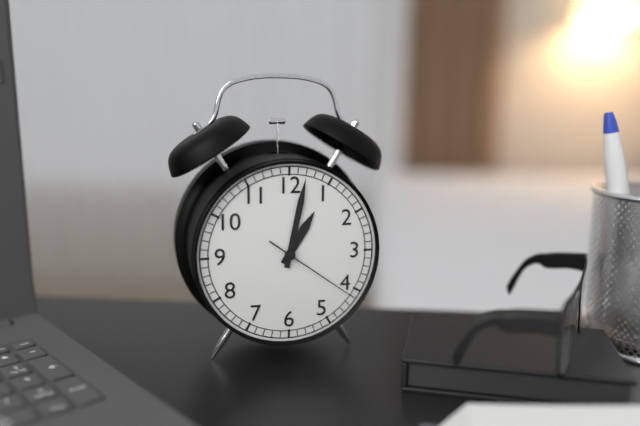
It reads 1h02m21s
